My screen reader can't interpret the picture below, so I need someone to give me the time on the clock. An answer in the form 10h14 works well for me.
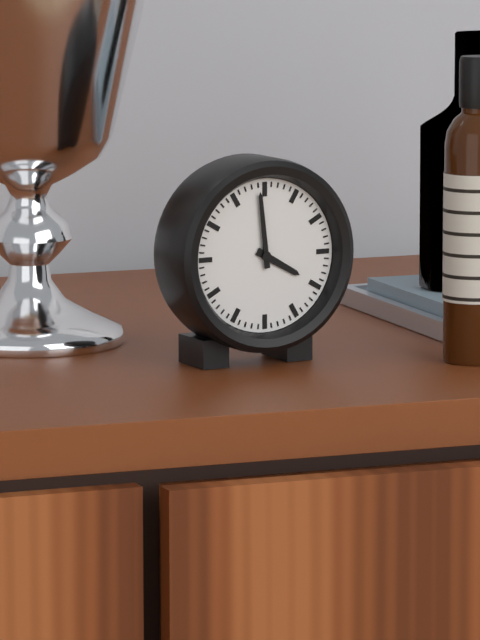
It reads 3h59
